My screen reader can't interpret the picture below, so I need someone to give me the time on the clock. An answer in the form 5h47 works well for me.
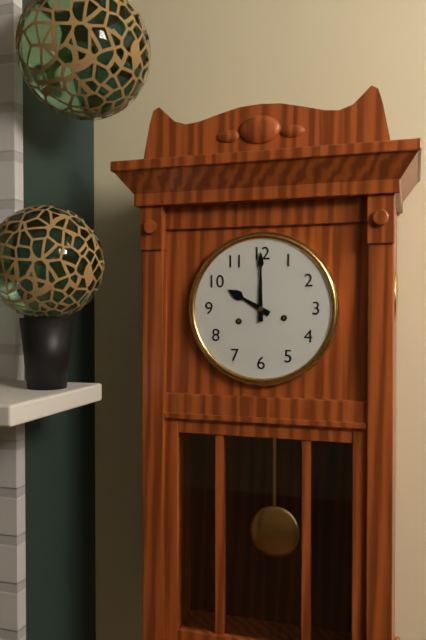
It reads 10h00
